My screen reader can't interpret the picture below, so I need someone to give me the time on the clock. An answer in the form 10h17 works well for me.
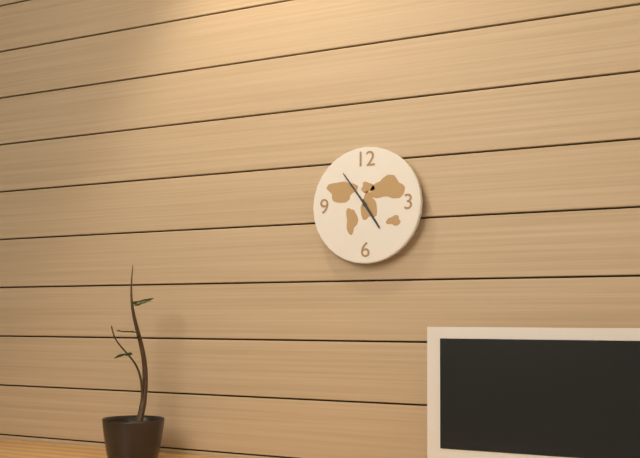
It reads 4h54
